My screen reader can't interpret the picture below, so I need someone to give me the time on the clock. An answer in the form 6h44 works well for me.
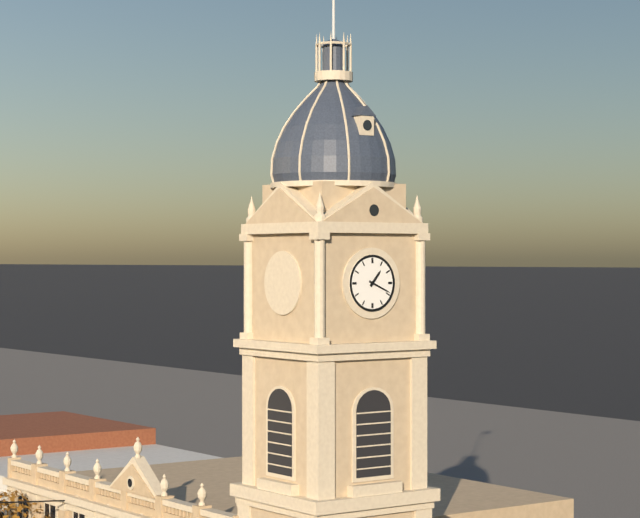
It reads 1h19
